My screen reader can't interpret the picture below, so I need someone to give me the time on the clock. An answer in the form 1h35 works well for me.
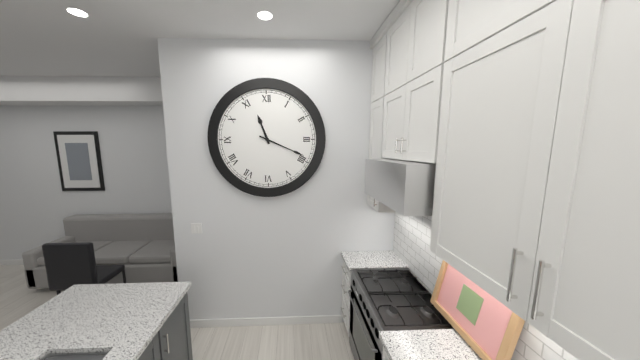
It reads 11h19
